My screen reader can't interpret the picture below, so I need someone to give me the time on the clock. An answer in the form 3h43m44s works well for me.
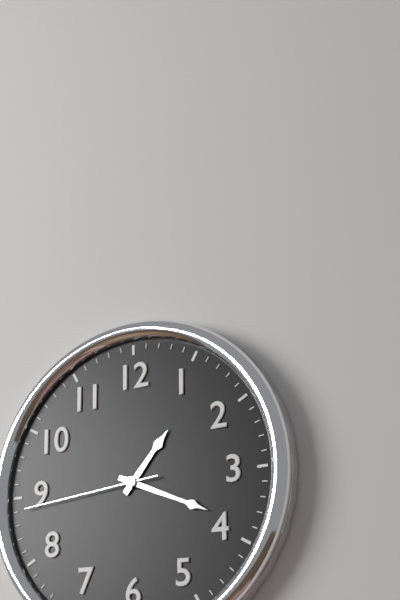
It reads 1h19m44s
